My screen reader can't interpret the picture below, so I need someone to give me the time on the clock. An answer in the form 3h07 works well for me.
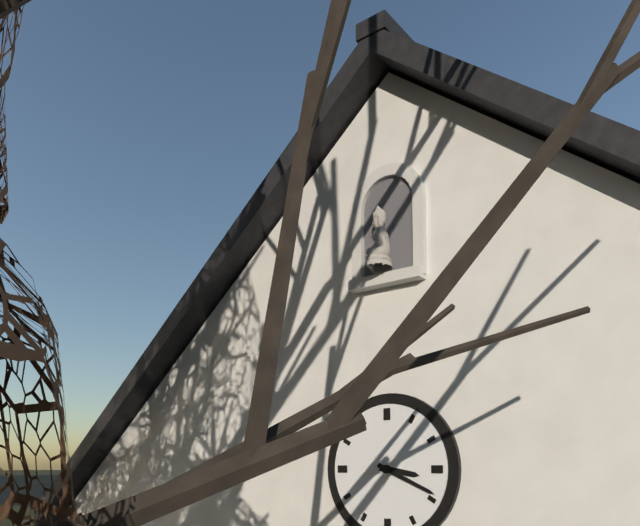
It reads 3h19
